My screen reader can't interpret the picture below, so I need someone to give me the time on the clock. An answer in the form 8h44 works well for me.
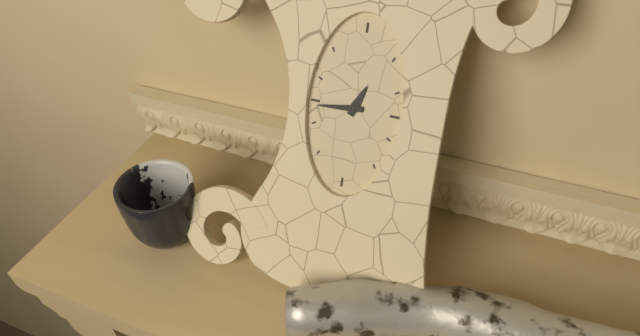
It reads 12h44
